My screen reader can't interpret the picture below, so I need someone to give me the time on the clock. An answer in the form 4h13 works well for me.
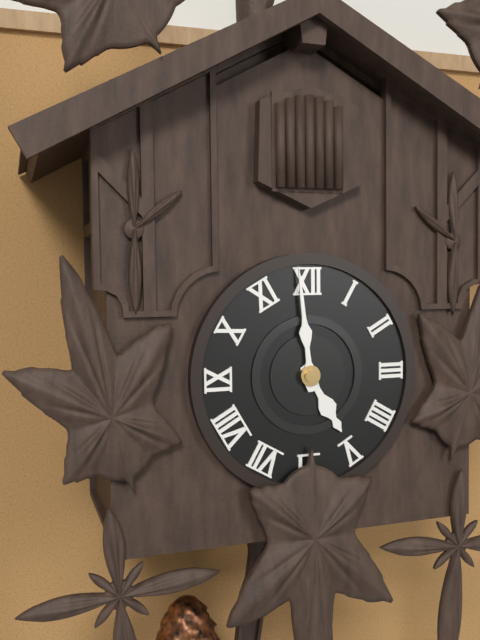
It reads 4h59
